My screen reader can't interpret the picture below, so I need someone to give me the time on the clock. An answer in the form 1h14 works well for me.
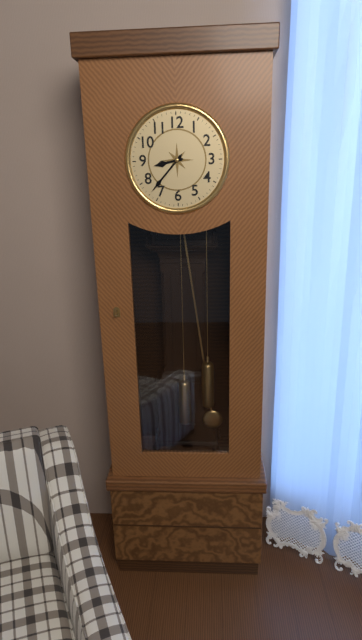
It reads 8h37
